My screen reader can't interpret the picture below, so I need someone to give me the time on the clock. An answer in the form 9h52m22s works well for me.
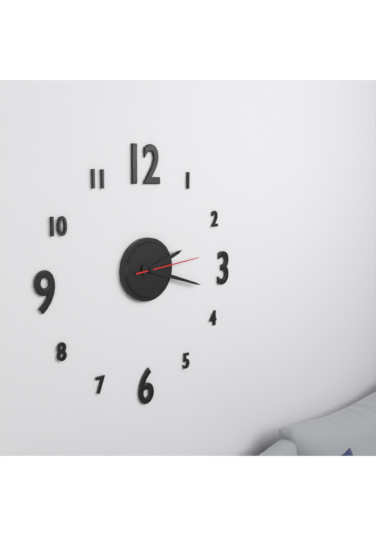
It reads 2h18m14s
